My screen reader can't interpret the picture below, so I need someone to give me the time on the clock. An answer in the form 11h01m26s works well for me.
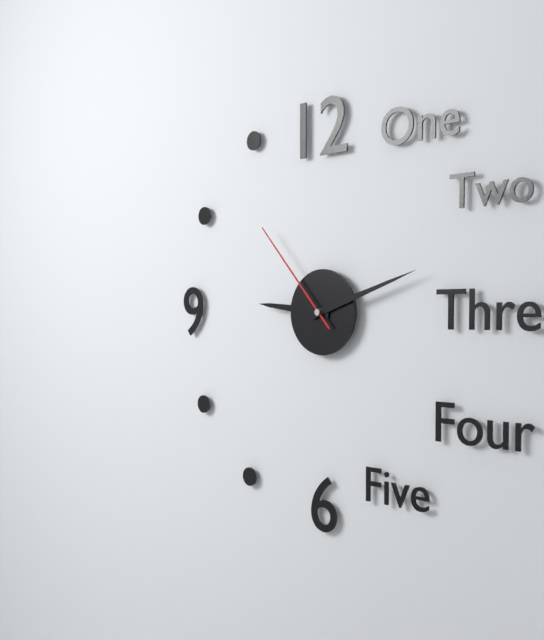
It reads 9h12m53s
